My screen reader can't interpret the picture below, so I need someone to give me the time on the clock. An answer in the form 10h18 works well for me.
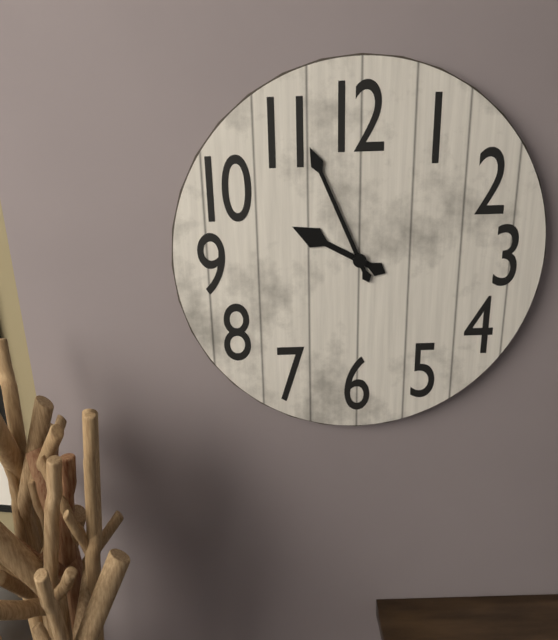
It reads 9h56
